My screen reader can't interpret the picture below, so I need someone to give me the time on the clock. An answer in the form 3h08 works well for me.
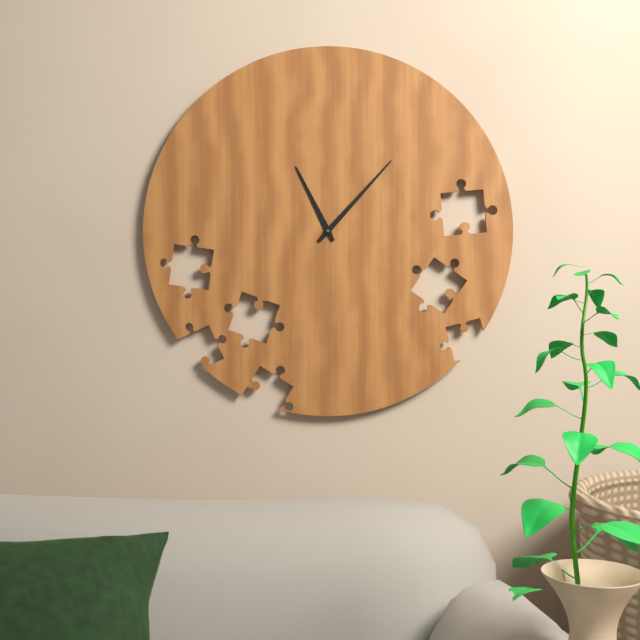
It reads 11h07
